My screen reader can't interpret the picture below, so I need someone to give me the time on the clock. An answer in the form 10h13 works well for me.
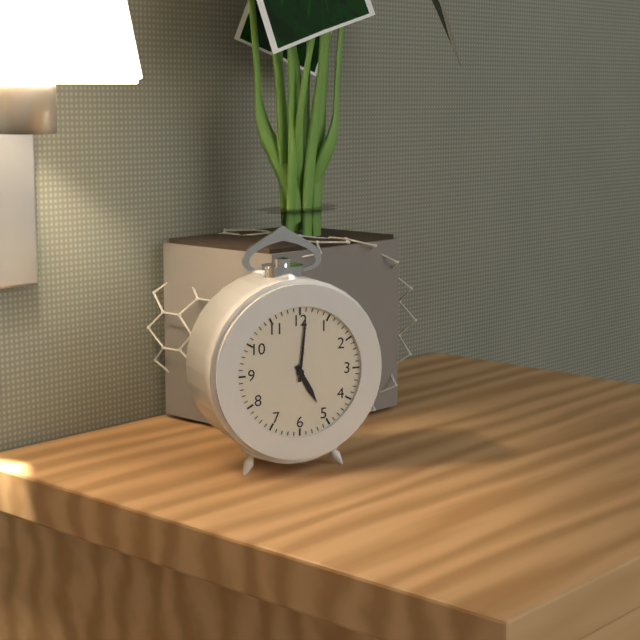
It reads 5h01
